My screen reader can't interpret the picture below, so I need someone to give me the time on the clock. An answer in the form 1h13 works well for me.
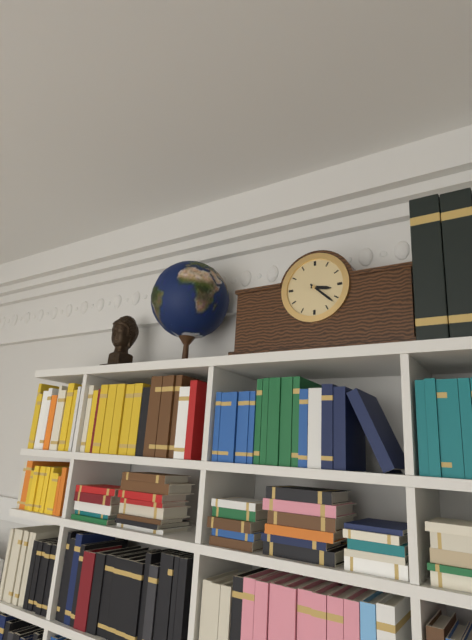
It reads 3h22
